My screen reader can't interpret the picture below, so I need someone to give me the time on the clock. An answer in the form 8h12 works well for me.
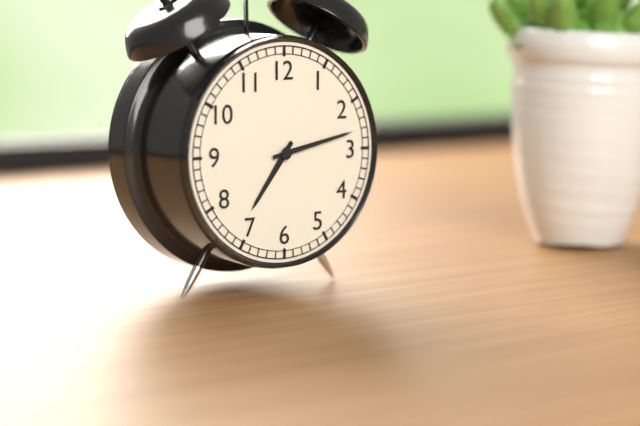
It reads 7h13
